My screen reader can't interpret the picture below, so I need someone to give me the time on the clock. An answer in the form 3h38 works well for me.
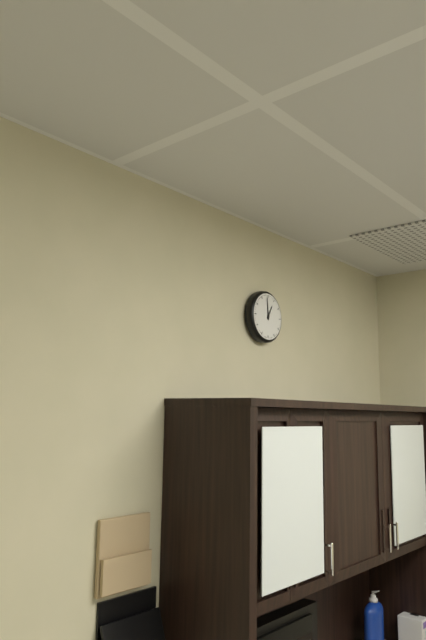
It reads 12h59
